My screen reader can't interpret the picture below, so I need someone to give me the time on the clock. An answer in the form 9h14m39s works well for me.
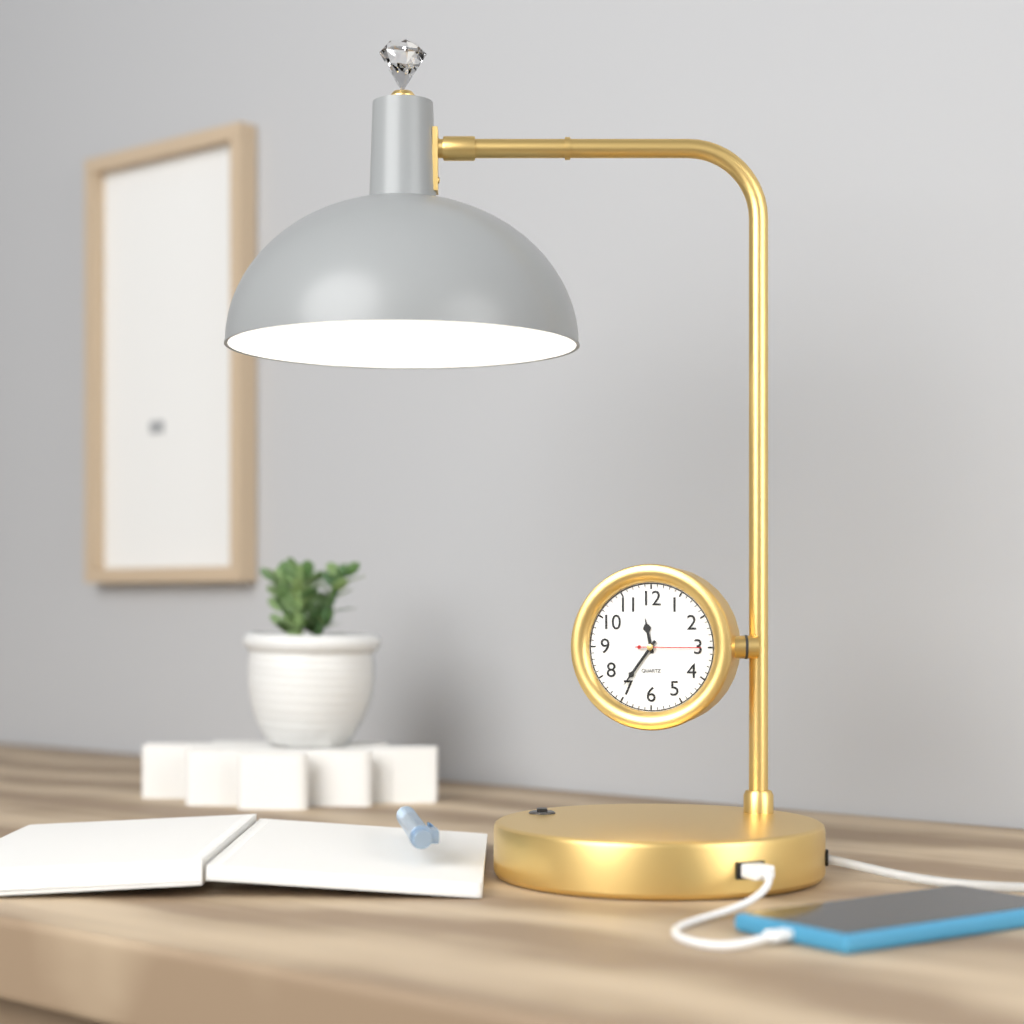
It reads 11h36m15s
